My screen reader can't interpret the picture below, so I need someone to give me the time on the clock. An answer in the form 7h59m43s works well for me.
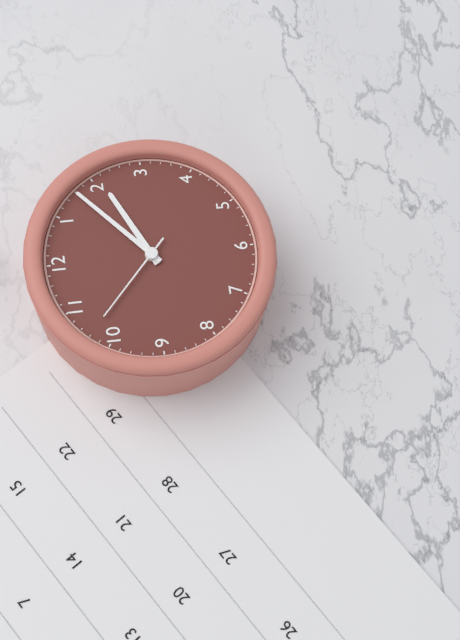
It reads 2h08m52s
